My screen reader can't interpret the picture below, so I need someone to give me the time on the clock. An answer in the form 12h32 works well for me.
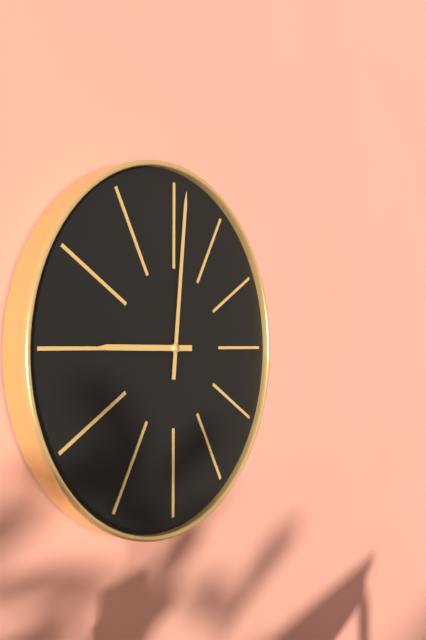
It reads 9h01
